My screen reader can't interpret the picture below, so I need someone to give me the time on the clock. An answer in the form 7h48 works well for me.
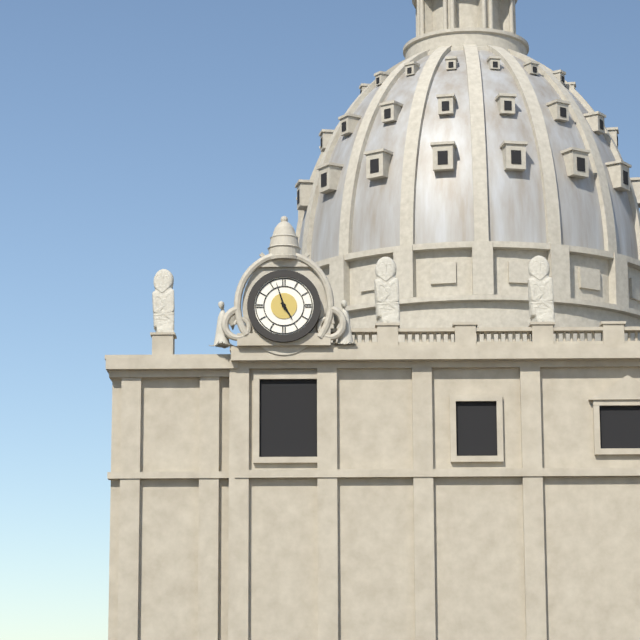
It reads 4h57
